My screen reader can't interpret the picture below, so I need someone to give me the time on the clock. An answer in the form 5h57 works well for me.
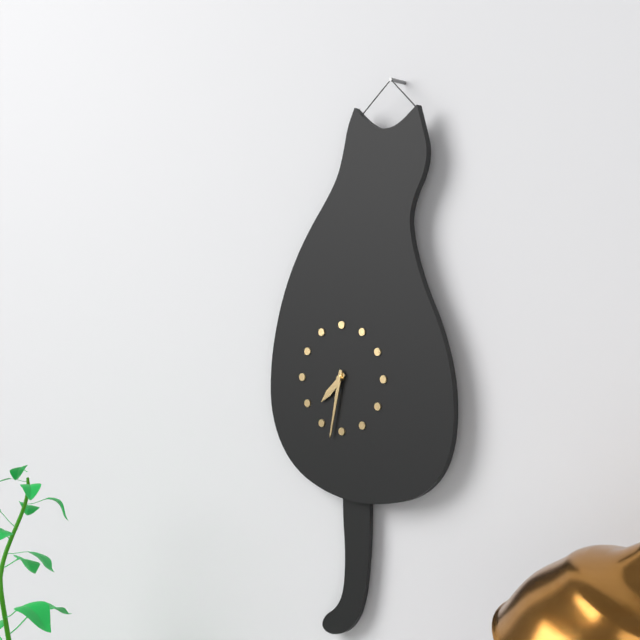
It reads 7h32
